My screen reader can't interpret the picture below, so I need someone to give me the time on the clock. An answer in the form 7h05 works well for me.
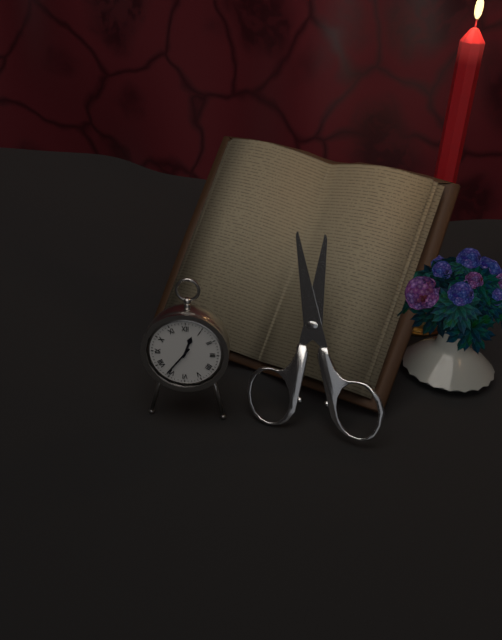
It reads 12h36
